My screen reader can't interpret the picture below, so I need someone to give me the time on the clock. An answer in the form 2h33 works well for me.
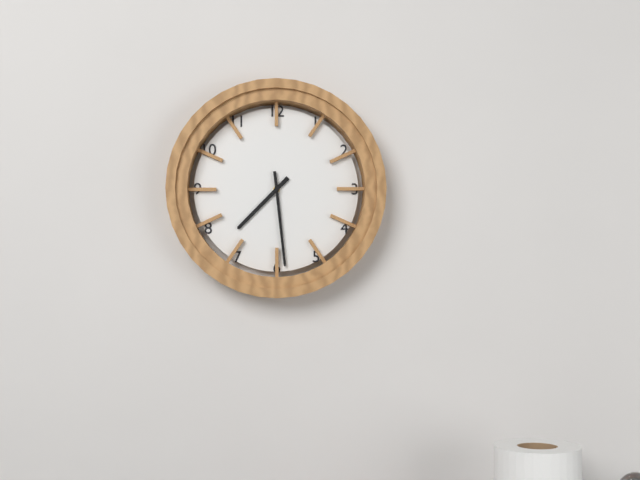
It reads 7h29
